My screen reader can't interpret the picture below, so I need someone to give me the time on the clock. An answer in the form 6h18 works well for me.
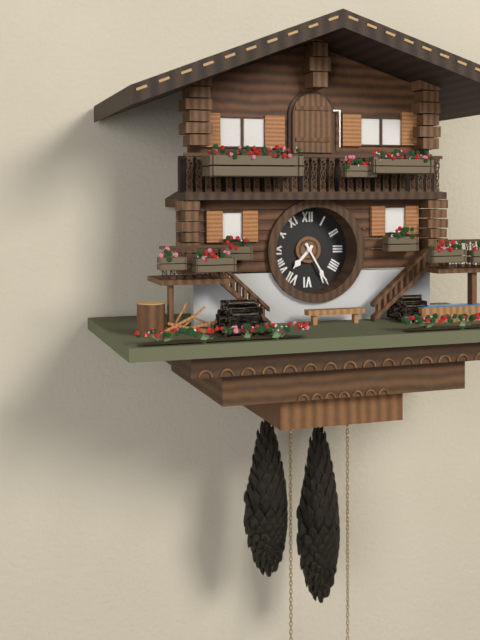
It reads 7h25
